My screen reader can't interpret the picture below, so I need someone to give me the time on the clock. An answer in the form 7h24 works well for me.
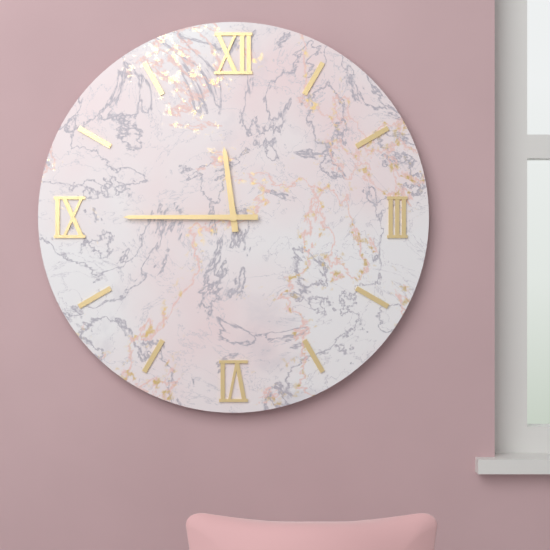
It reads 11h45
